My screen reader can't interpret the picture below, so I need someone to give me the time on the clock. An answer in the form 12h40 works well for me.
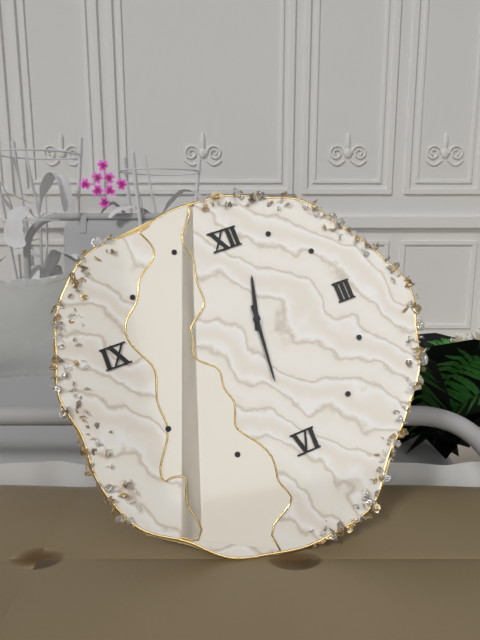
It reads 12h31
